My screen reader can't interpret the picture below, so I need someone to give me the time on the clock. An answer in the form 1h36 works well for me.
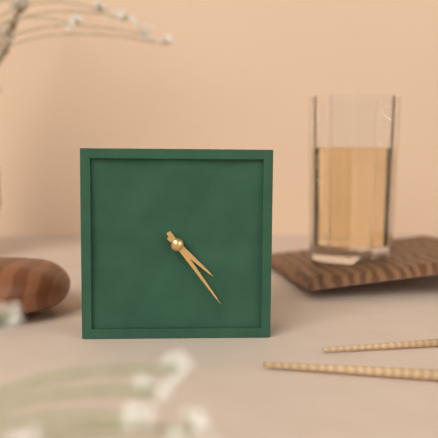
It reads 4h24
